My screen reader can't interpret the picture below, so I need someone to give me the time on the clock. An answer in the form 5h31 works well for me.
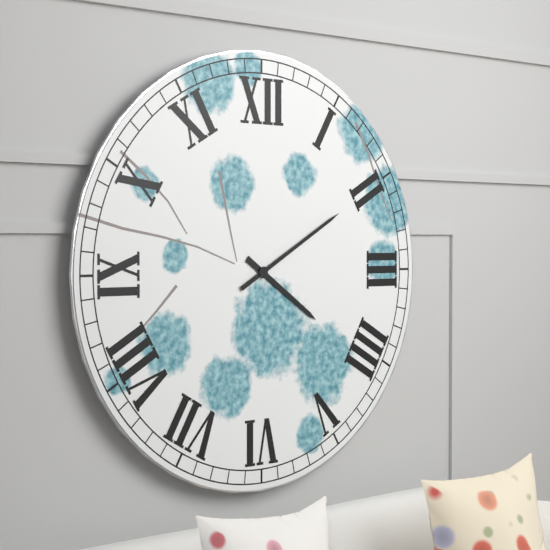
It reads 4h10
